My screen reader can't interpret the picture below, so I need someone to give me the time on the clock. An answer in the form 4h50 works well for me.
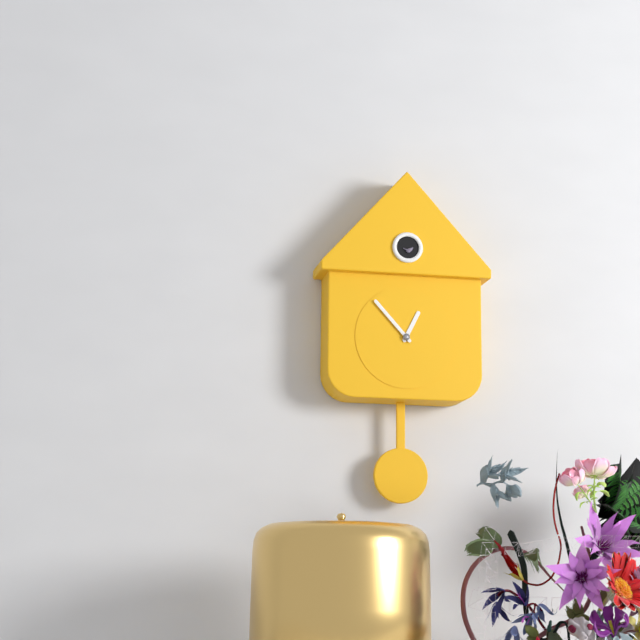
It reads 12h53
